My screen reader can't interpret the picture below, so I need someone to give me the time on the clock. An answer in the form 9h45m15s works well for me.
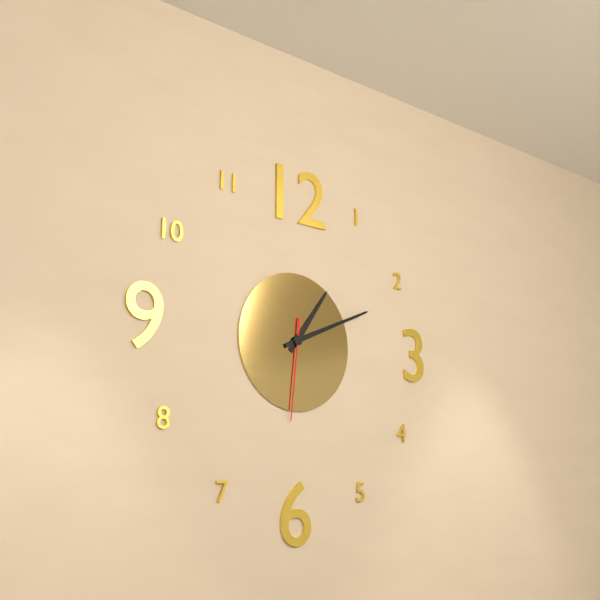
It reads 1h11m31s
